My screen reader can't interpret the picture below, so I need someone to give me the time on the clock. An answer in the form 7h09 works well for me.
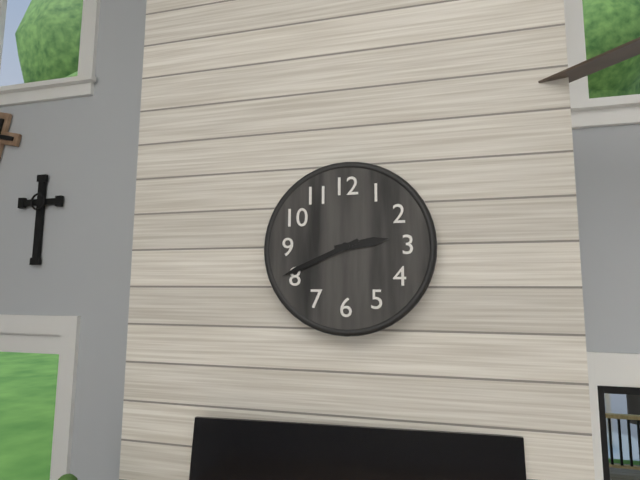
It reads 2h41
